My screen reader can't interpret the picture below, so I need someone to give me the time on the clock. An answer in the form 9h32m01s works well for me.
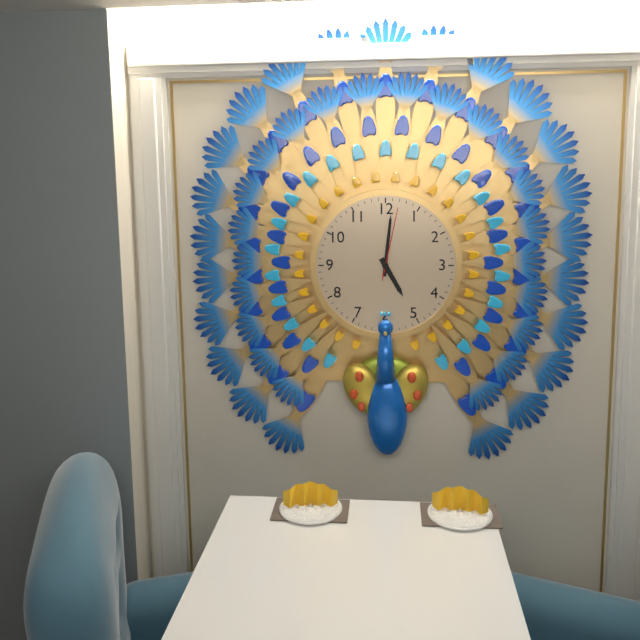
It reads 5h01m02s
